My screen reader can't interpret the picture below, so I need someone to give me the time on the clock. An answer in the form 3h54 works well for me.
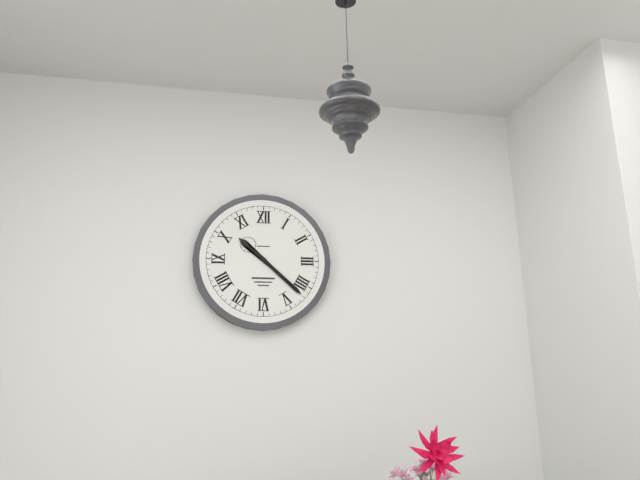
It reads 10h22
